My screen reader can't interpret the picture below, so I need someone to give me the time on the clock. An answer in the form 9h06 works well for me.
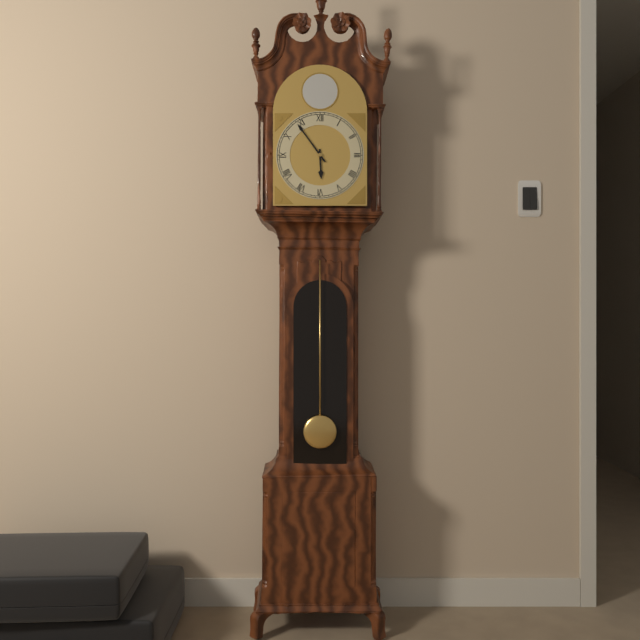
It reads 5h54
